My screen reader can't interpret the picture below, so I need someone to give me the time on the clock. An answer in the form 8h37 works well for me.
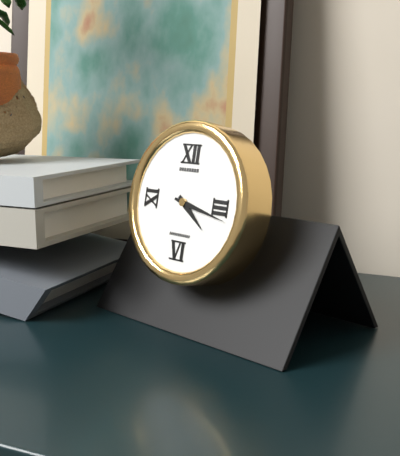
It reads 4h17
